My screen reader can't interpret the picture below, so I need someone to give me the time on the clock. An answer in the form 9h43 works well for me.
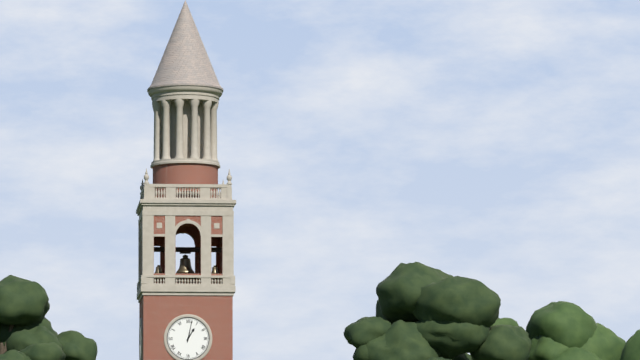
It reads 1h02
